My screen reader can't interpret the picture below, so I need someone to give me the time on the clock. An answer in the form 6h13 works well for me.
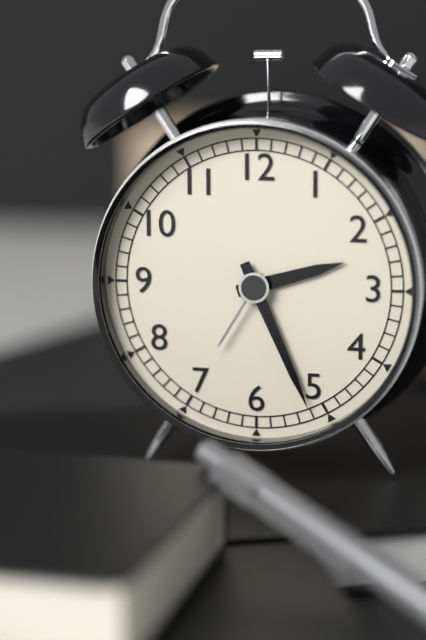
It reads 2h26
